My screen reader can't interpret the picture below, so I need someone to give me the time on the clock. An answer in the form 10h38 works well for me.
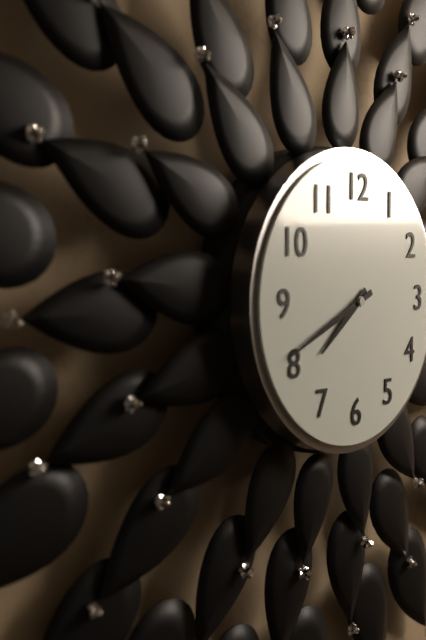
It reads 7h41
